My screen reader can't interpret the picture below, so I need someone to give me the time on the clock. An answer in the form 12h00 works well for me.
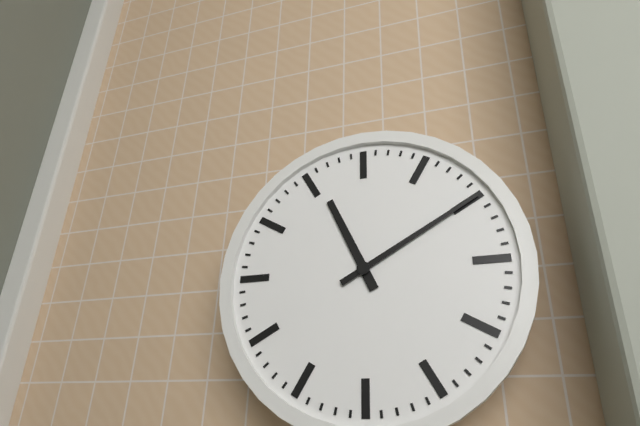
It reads 11h10
